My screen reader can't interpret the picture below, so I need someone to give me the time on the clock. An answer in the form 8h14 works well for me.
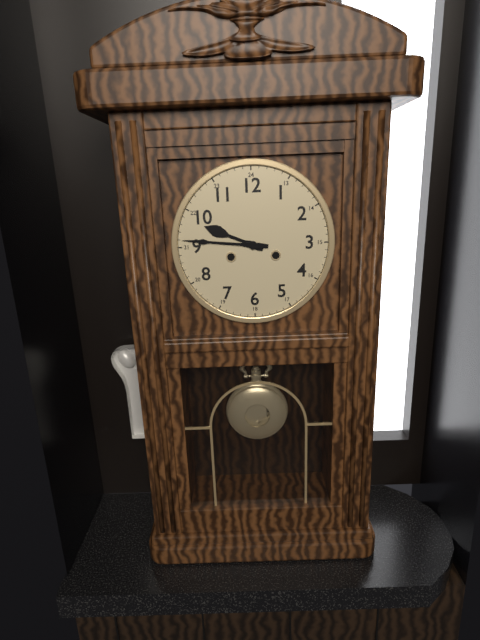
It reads 9h46
